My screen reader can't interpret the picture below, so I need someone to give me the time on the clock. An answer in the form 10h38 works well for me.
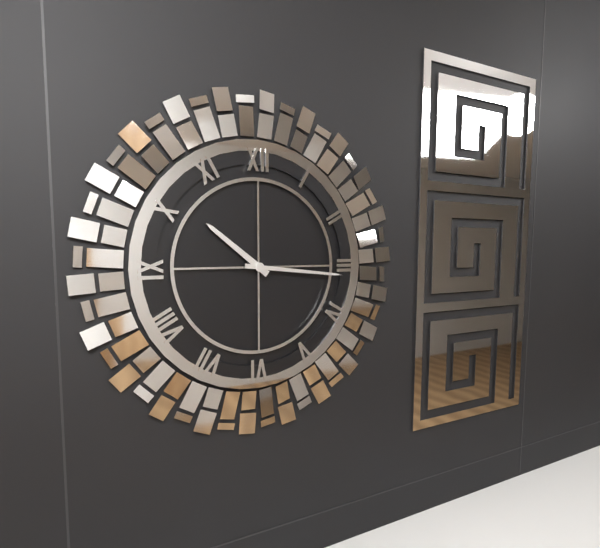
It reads 10h16
